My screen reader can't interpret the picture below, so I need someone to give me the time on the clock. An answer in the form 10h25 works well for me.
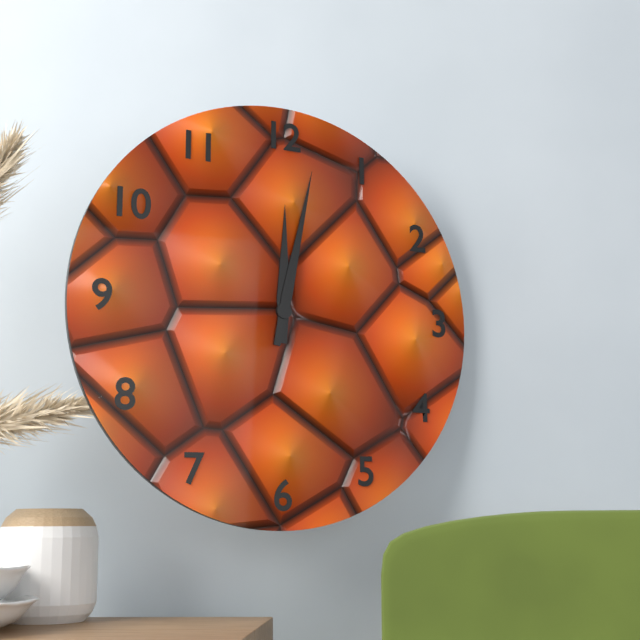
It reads 12h02
